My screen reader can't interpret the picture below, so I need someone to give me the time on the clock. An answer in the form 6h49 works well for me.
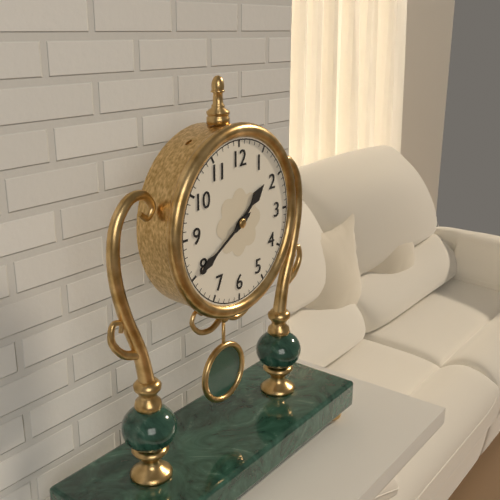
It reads 1h40
